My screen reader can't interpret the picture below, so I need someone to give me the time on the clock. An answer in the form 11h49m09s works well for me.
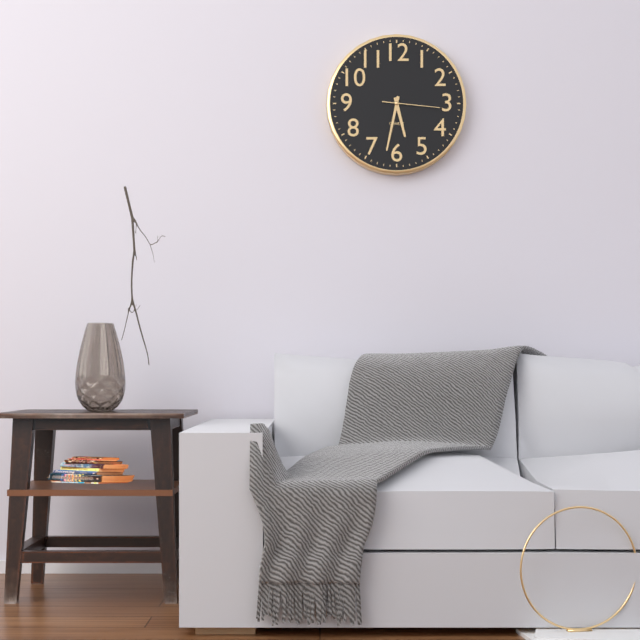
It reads 5h32m16s
